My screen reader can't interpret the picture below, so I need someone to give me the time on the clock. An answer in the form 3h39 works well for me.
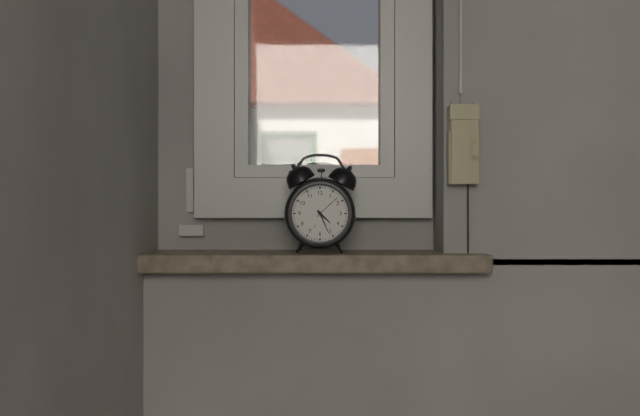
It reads 4h26
